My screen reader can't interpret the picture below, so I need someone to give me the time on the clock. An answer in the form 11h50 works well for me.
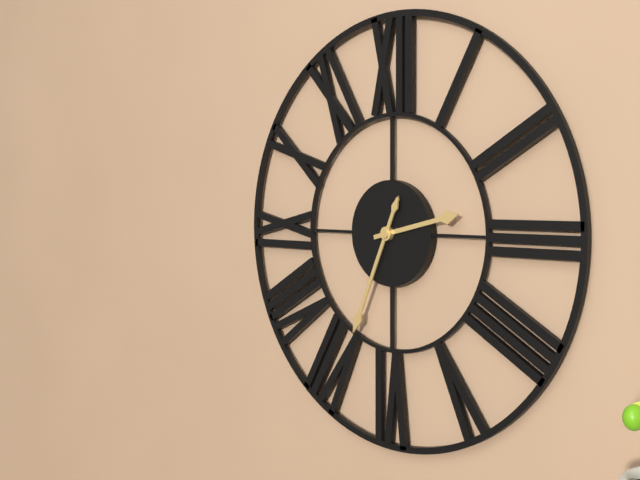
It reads 2h34
